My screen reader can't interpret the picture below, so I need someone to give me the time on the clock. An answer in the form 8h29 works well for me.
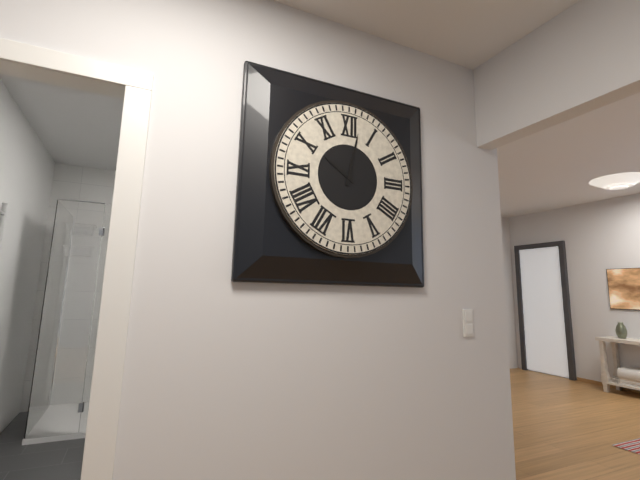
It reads 10h02
